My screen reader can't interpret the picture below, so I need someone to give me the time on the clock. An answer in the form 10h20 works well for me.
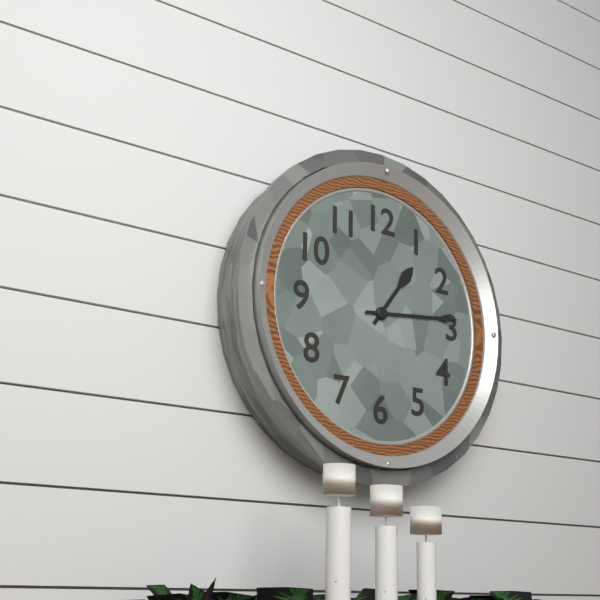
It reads 1h14
